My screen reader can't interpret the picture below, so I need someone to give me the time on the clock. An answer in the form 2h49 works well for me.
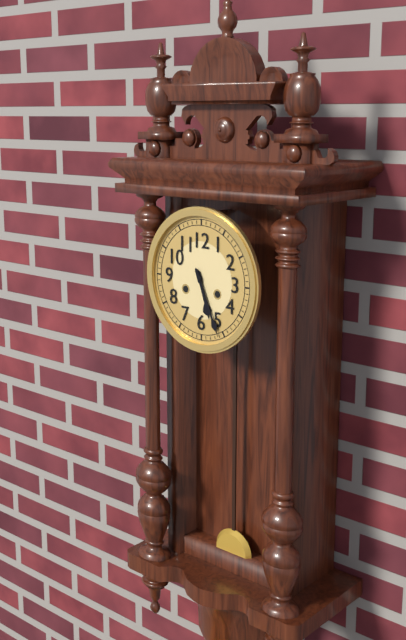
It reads 5h26
